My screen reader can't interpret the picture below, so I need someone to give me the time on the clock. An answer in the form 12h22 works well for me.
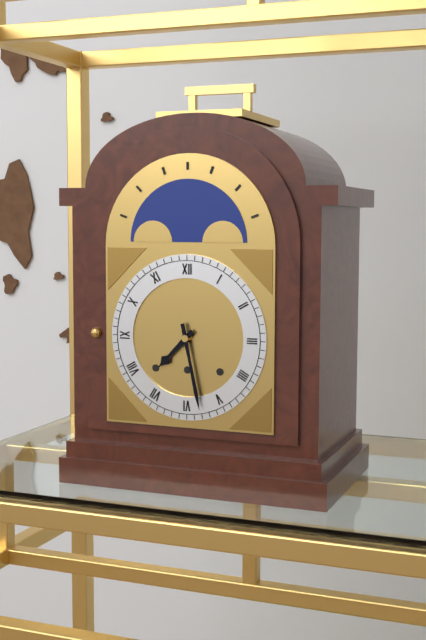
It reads 7h28
